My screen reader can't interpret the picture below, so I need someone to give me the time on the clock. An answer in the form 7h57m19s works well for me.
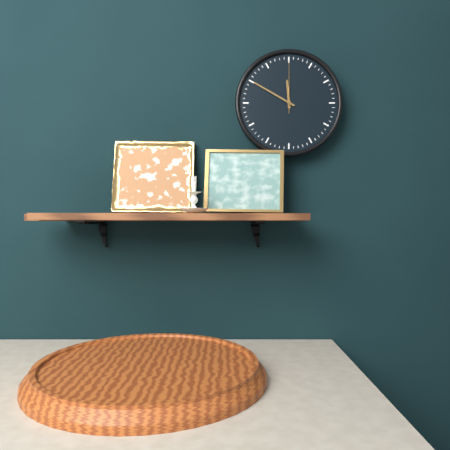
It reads 11h50m00s
